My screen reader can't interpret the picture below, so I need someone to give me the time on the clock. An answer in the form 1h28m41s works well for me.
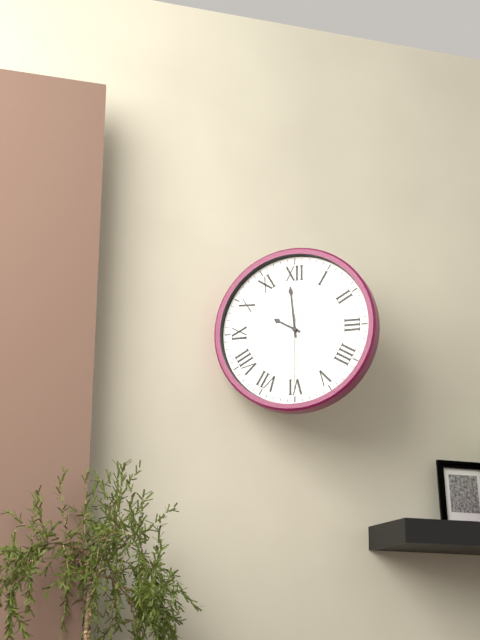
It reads 9h59m30s
